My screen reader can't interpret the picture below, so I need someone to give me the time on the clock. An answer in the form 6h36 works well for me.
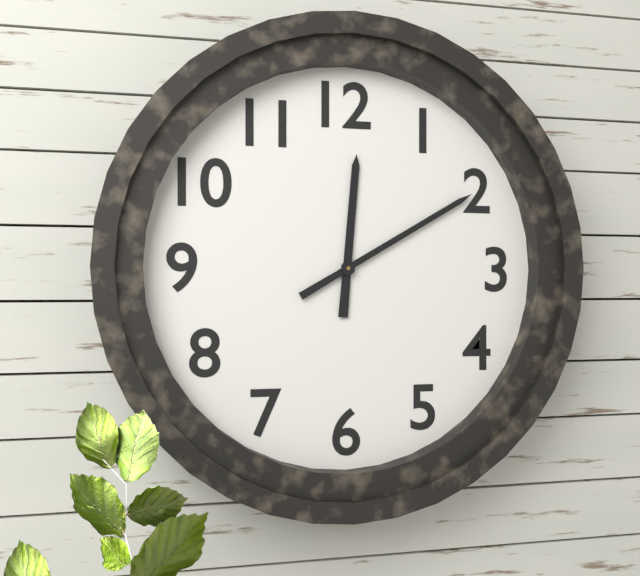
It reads 12h10
